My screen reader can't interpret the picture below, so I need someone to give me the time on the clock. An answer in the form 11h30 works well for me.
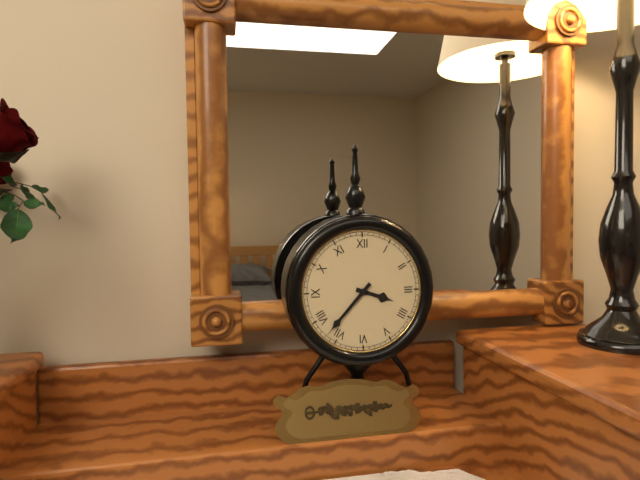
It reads 3h37
